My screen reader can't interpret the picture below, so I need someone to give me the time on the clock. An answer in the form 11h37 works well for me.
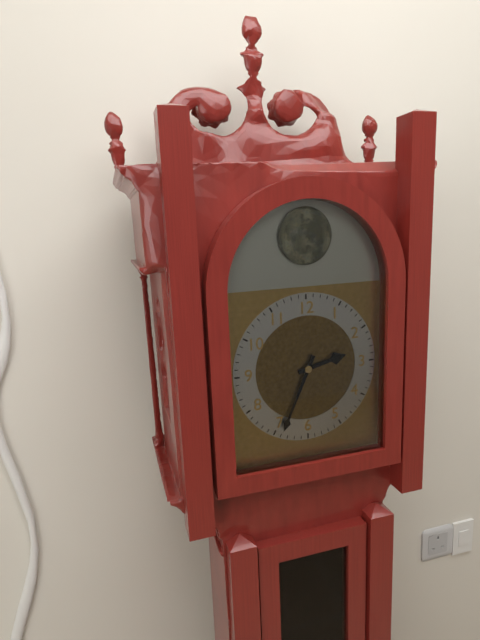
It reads 2h34
